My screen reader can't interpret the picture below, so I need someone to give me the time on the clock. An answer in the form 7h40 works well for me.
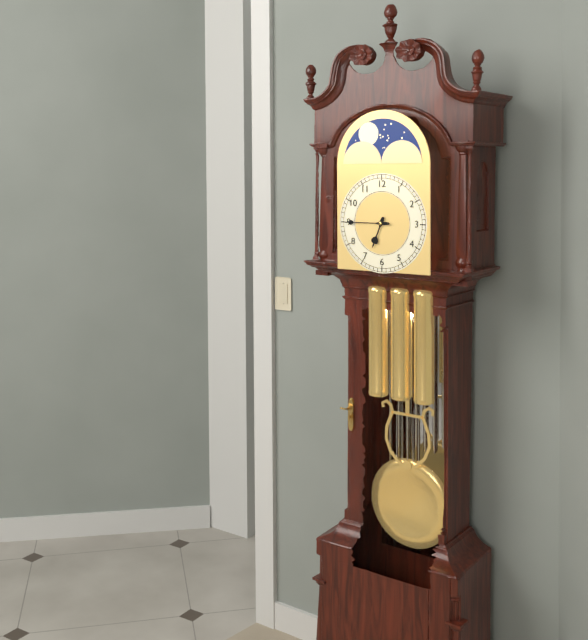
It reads 6h45
